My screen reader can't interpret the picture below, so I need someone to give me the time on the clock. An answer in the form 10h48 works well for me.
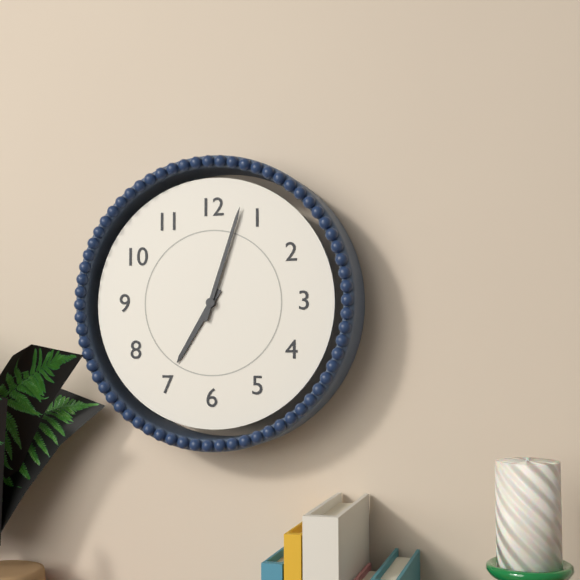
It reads 7h03
